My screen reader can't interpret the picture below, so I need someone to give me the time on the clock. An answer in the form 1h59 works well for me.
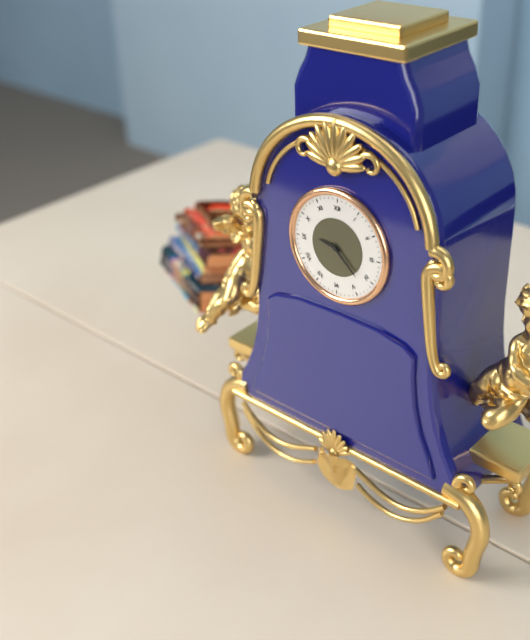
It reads 9h22
